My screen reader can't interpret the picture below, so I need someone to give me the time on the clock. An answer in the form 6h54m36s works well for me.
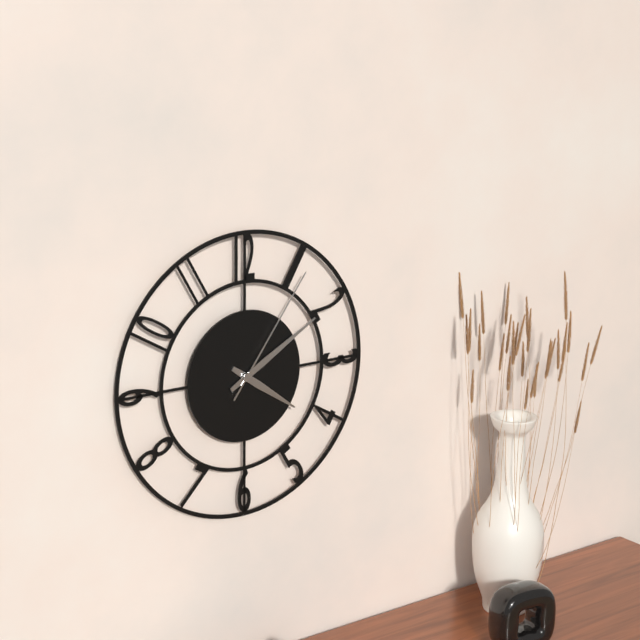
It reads 4h10m06s
